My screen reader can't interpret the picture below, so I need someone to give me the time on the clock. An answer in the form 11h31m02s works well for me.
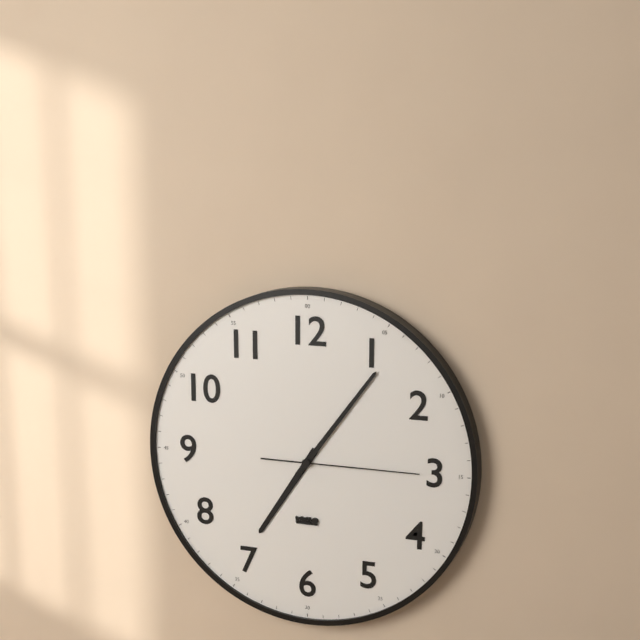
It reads 7h06m15s
